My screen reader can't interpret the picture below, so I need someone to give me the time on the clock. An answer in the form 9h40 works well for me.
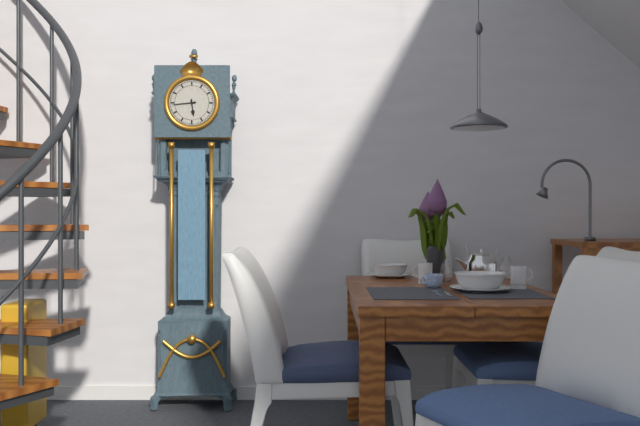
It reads 5h44
